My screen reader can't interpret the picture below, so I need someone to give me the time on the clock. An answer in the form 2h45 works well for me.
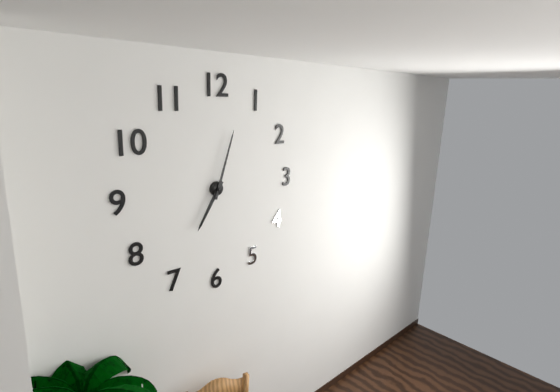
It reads 7h03
